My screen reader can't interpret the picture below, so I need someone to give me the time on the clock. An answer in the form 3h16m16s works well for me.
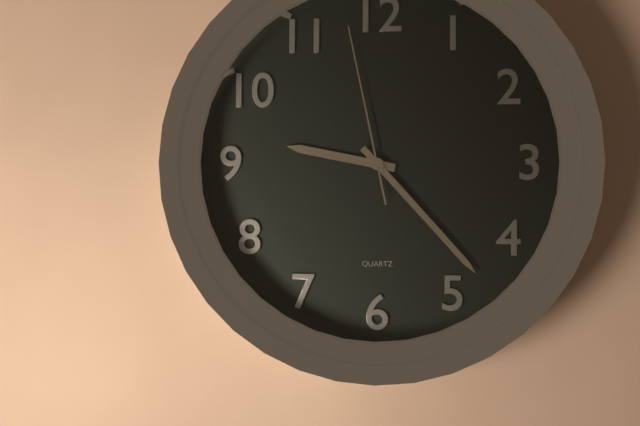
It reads 9h23m58s
